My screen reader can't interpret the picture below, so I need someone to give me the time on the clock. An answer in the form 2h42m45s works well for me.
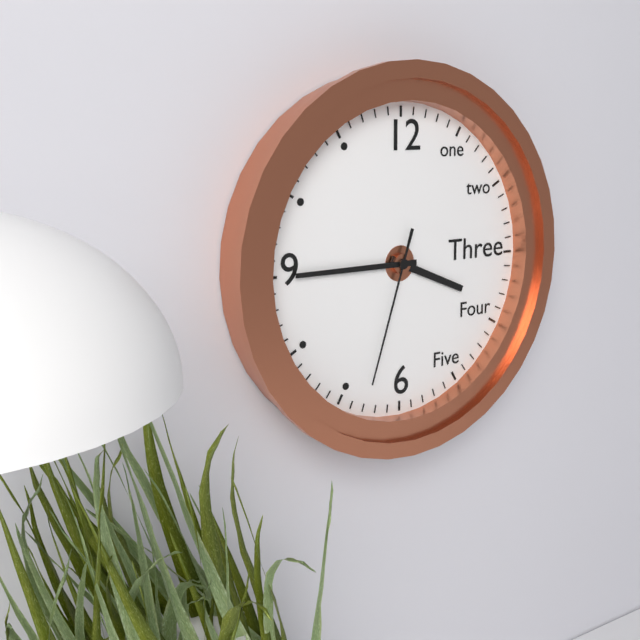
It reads 3h45m33s
